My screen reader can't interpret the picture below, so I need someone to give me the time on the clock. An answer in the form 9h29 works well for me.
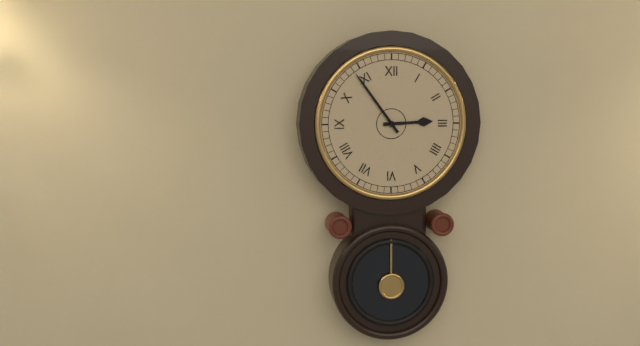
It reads 2h54
